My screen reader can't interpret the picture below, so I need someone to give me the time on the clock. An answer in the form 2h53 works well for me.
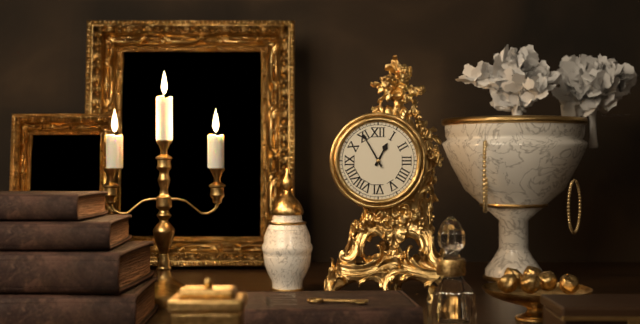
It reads 12h55
